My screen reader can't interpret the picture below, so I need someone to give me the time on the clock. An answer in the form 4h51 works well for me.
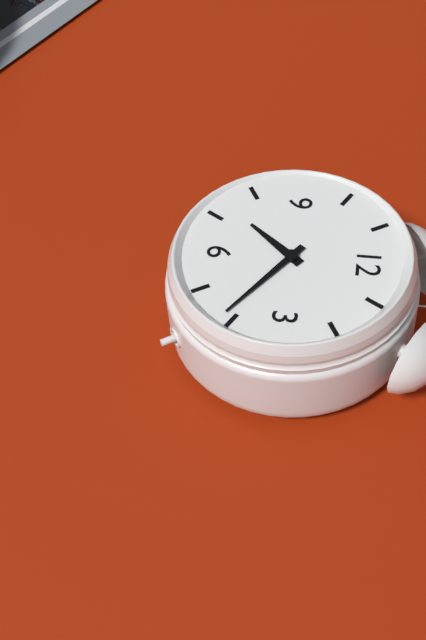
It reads 7h21
